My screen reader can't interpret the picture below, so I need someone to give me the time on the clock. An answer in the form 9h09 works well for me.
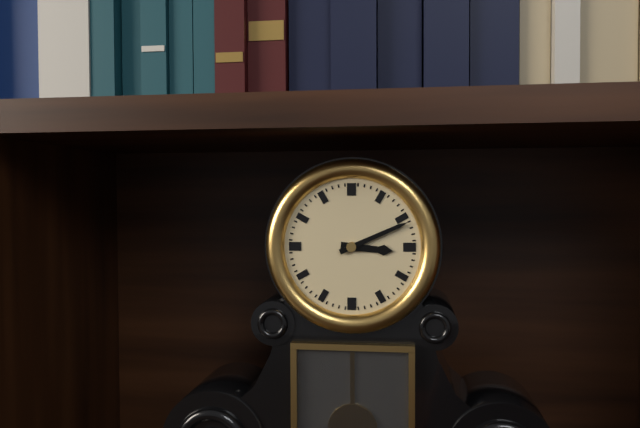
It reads 3h11
